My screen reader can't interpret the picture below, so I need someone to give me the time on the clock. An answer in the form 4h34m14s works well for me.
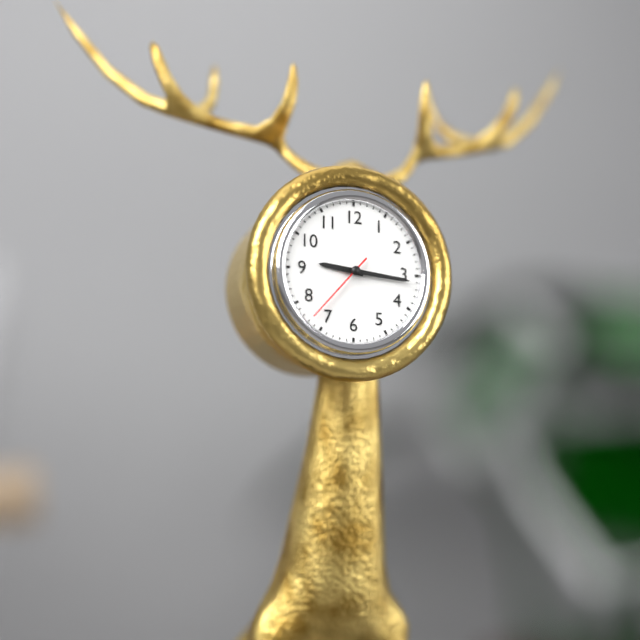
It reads 9h16m37s
